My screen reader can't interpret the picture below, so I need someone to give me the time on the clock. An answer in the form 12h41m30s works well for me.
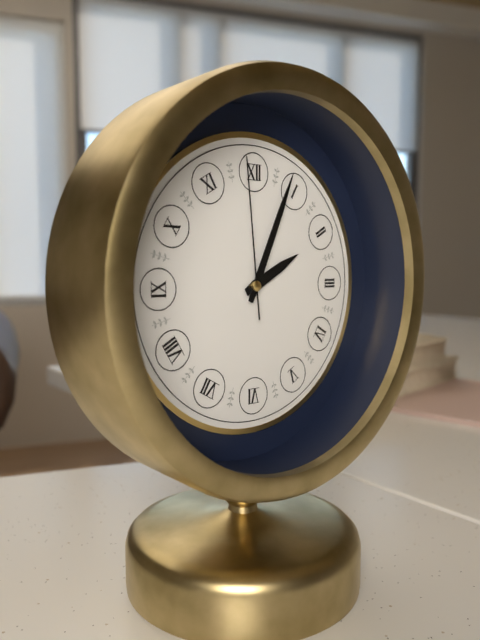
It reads 2h04m59s
